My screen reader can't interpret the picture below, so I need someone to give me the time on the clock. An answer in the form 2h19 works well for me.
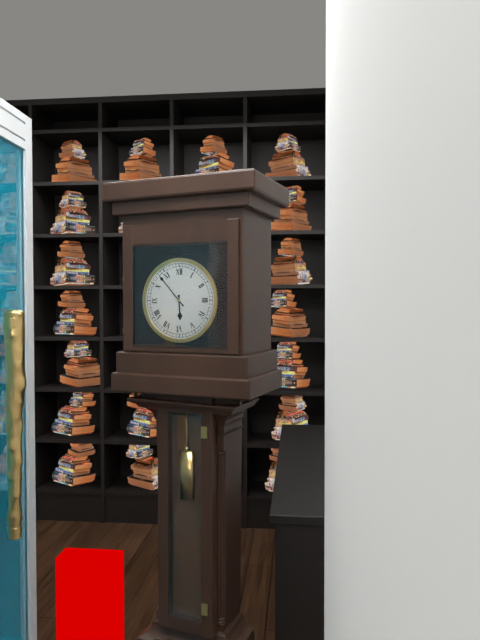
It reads 5h53
